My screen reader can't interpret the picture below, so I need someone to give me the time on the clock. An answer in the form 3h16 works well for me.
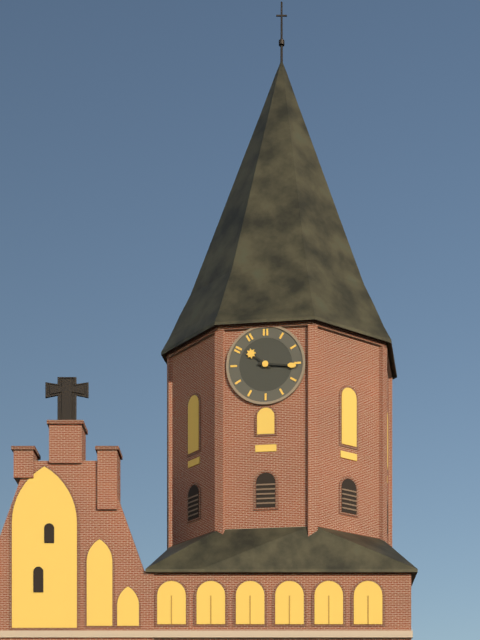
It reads 10h16
